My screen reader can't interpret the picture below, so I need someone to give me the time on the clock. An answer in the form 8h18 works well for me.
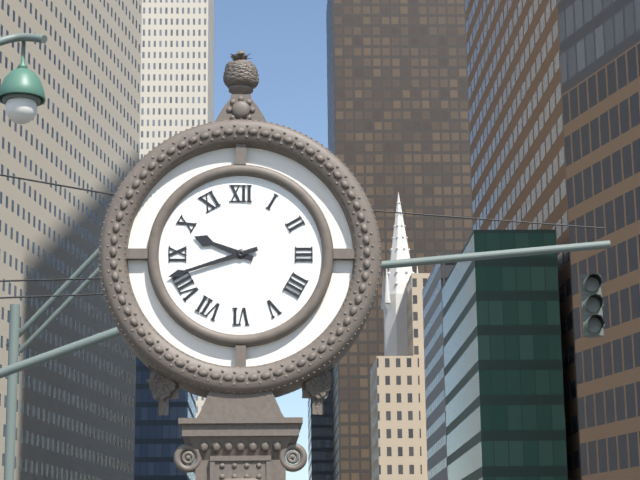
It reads 9h42
